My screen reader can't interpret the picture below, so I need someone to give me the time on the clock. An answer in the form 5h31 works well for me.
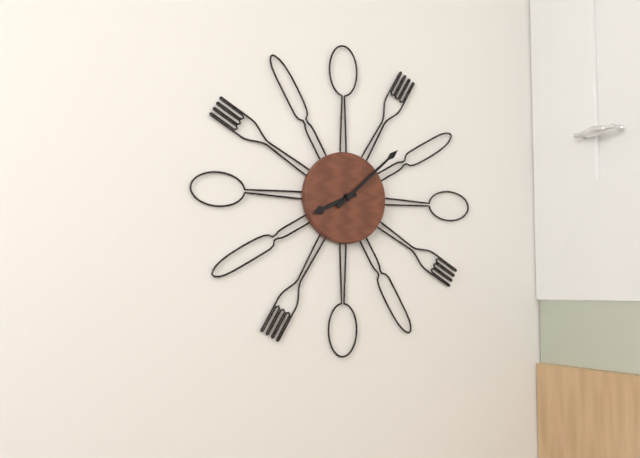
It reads 8h08
